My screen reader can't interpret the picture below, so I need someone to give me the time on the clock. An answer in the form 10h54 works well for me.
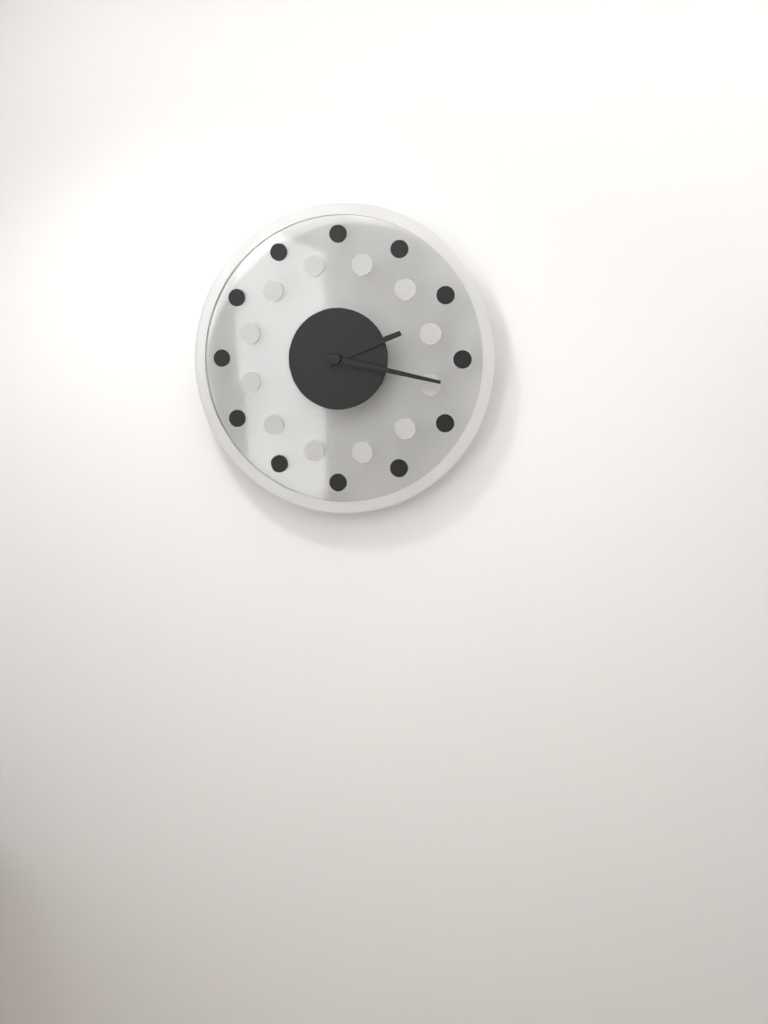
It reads 2h17
